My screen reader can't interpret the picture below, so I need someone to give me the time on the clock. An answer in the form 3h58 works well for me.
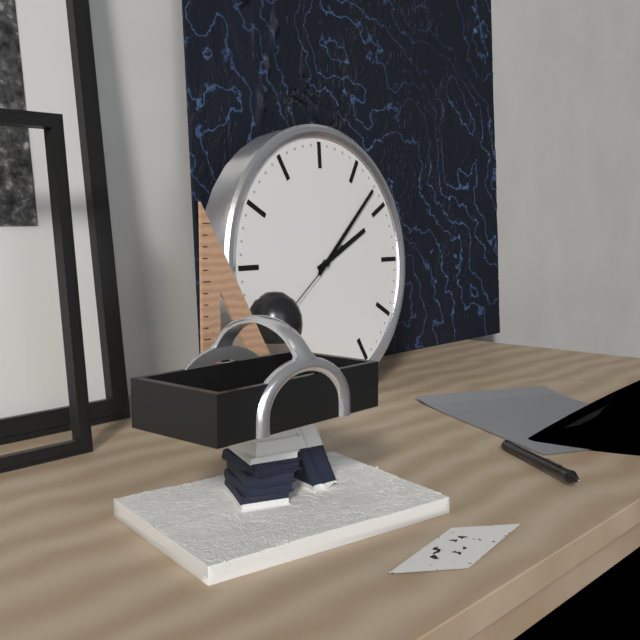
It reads 2h08
